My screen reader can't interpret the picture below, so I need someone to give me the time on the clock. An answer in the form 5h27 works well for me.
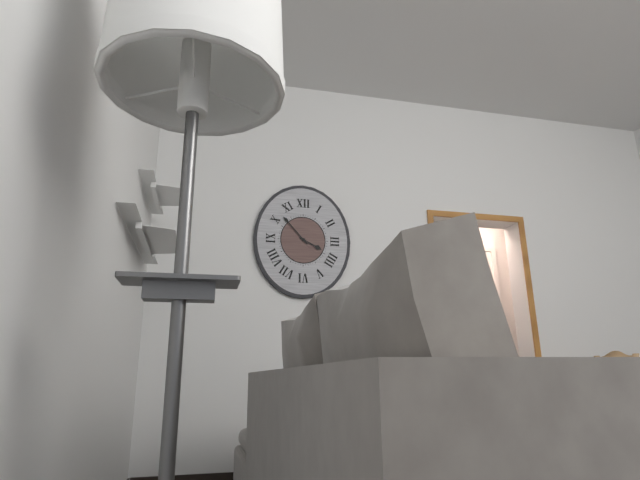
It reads 3h53
